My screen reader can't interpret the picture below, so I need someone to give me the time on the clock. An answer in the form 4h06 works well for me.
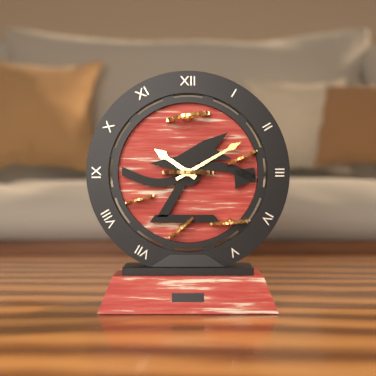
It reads 10h10
